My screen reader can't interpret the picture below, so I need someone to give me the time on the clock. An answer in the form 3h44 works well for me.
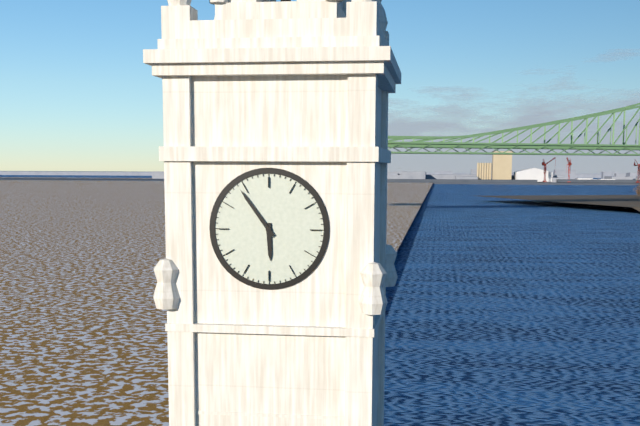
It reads 5h54
